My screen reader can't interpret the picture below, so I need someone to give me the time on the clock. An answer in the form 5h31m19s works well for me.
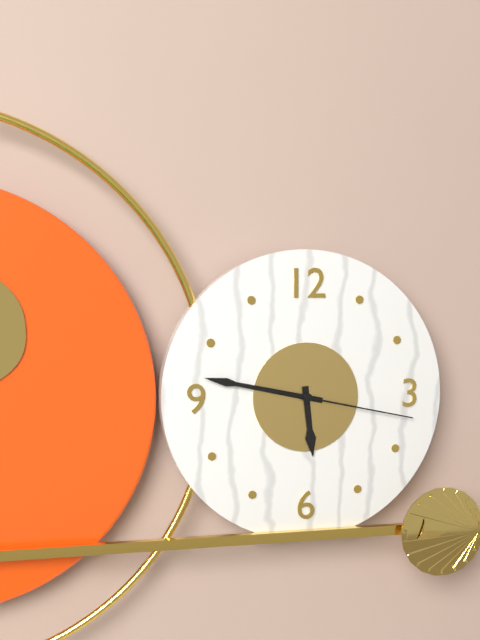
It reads 5h47m17s
